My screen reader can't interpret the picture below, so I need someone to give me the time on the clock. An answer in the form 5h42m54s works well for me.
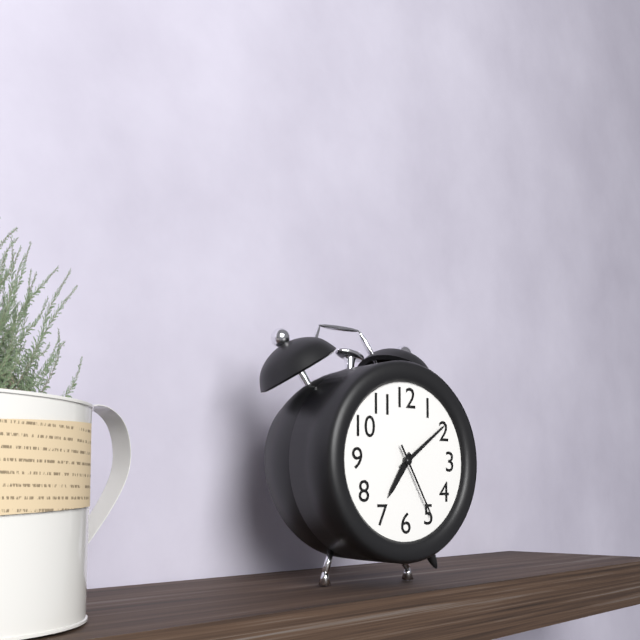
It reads 7h09m25s
